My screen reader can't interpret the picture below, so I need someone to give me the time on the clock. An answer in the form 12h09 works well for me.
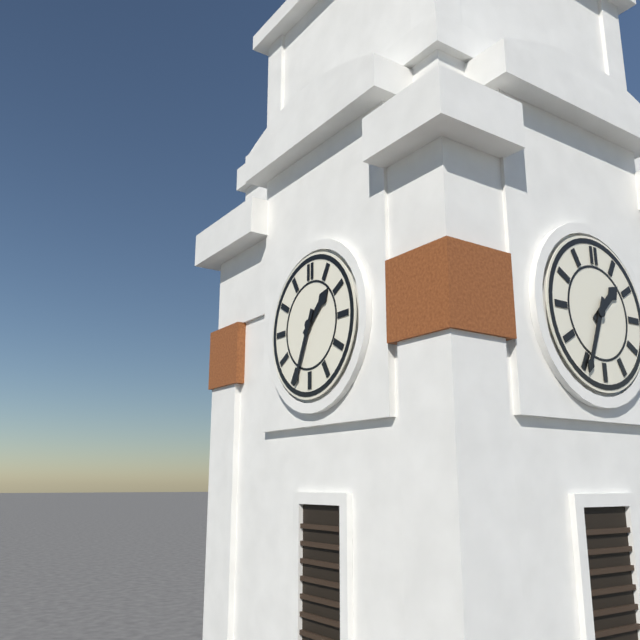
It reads 1h34
